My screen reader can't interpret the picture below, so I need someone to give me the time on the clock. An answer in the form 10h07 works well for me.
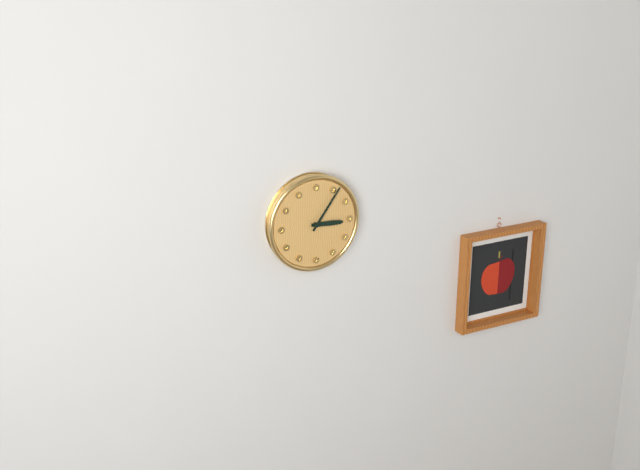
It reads 3h06
